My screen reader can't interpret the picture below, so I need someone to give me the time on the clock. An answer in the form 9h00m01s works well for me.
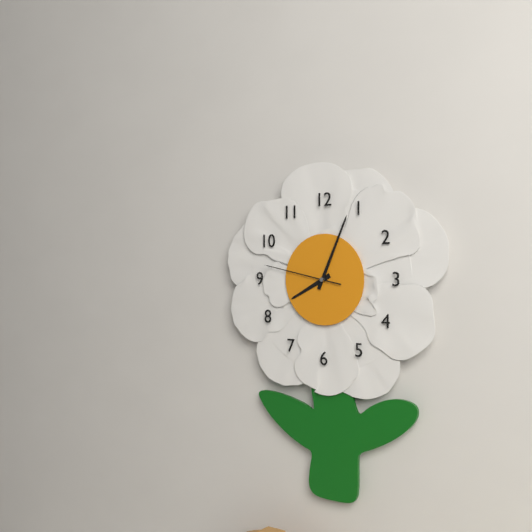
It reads 8h04m47s
